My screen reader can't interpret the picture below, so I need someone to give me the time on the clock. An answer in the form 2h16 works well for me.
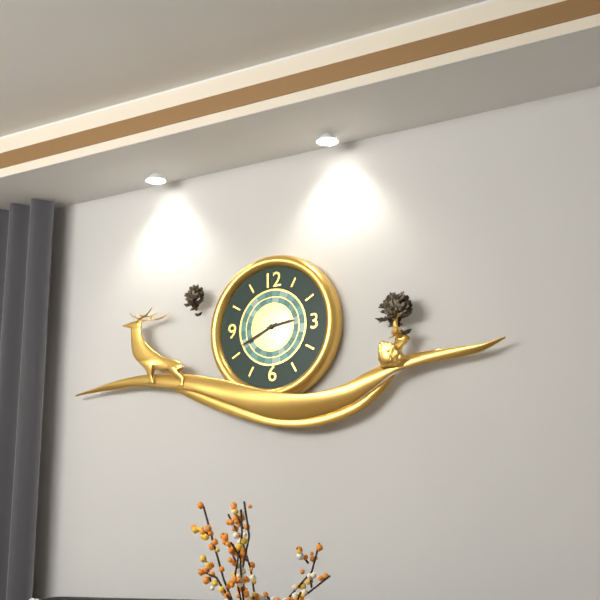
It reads 2h41
